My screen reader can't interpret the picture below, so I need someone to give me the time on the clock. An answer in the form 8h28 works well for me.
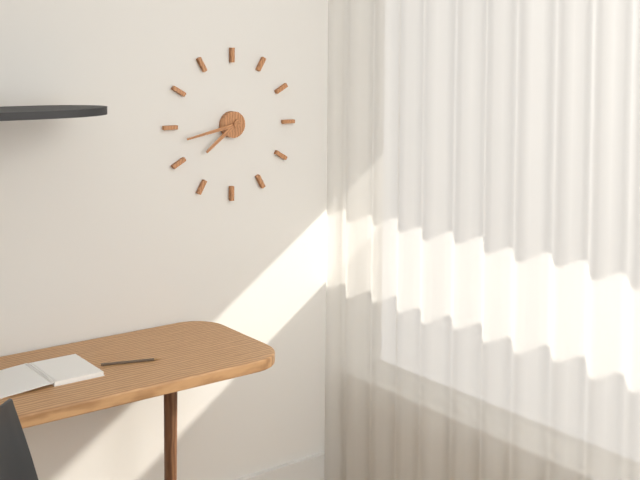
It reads 7h43
